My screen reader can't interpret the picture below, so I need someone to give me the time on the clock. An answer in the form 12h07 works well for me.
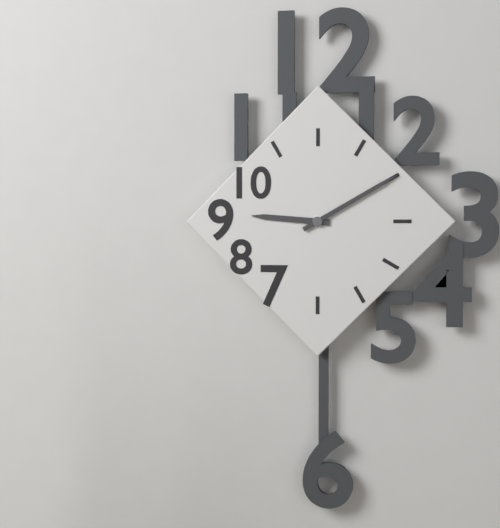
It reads 9h10
